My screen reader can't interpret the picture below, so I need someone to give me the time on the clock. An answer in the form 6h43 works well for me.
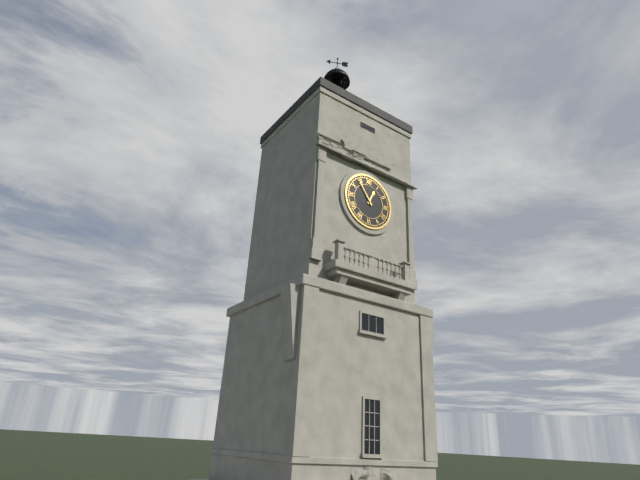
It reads 12h54
